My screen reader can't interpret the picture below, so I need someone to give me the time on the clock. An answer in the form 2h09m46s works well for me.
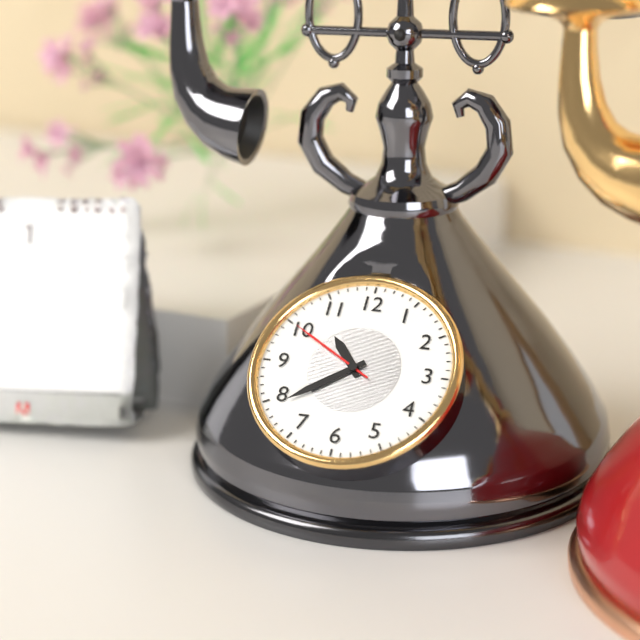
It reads 10h39m50s
